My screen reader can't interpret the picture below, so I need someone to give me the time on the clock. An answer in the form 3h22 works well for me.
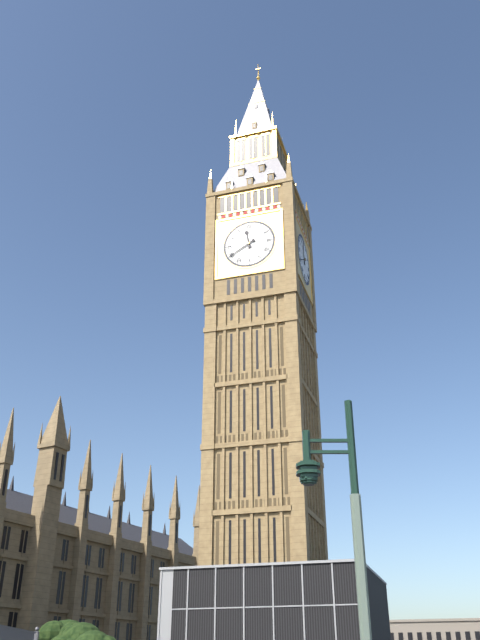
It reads 11h40
